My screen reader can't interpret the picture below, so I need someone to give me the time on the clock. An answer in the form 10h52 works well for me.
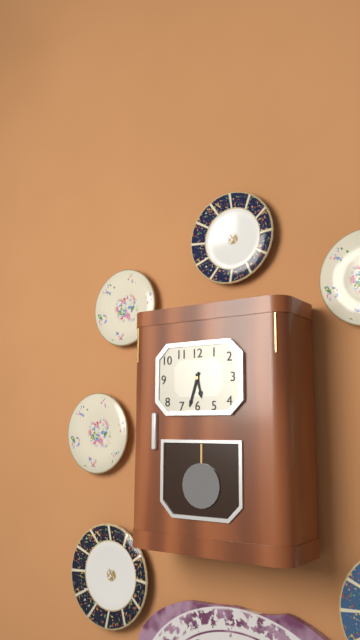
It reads 5h33
